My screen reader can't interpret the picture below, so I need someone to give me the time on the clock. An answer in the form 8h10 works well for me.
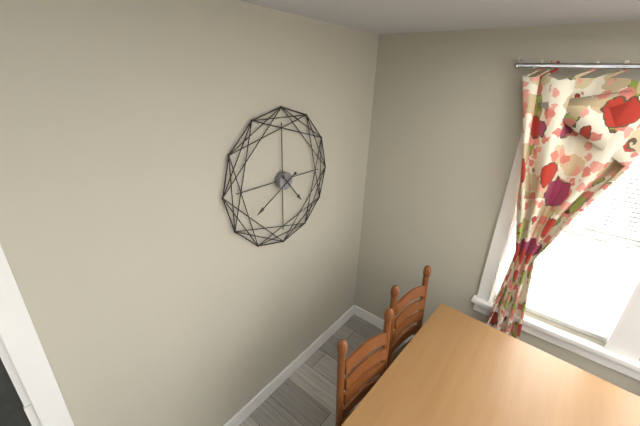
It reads 4h40
